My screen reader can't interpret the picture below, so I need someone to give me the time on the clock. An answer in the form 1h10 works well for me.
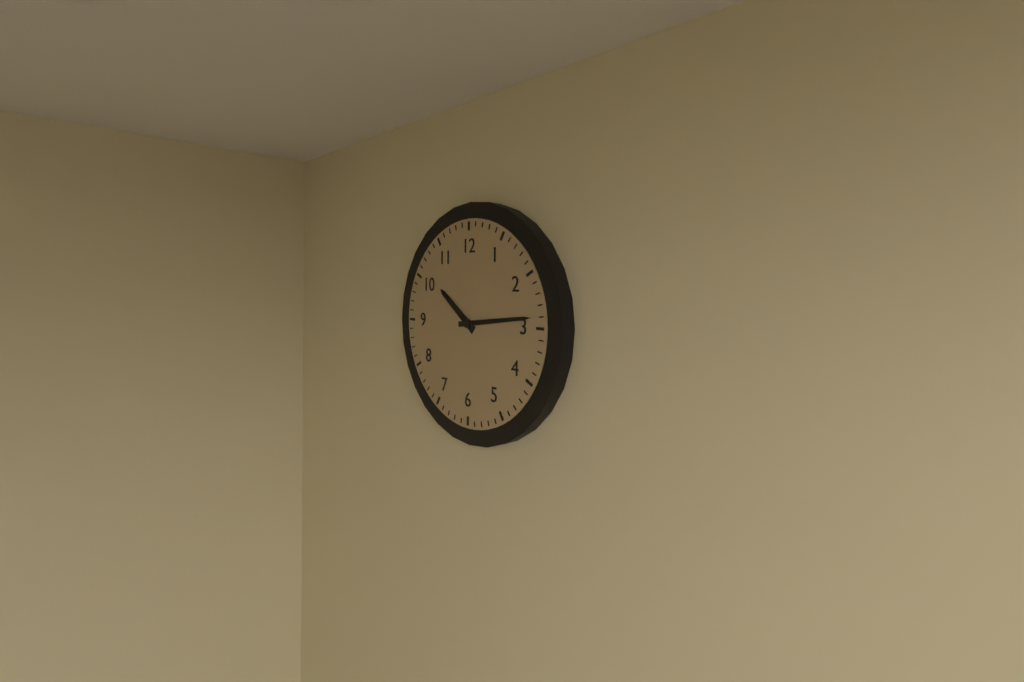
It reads 10h14
